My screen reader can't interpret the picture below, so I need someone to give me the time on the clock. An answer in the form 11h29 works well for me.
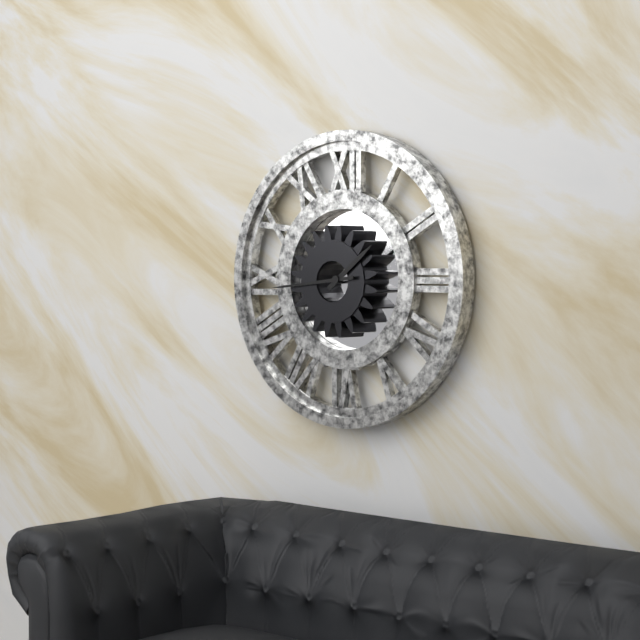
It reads 1h44
